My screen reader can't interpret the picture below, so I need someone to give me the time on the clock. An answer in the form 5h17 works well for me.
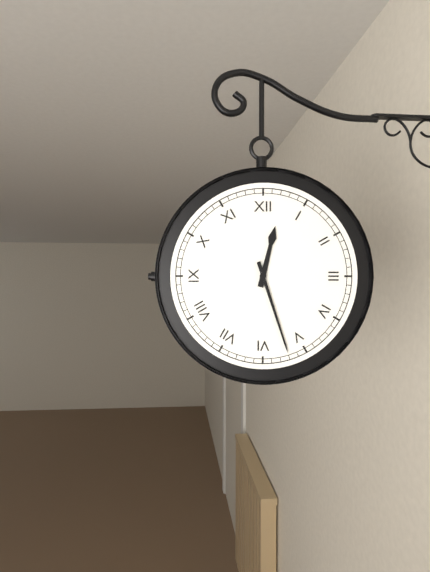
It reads 12h27
